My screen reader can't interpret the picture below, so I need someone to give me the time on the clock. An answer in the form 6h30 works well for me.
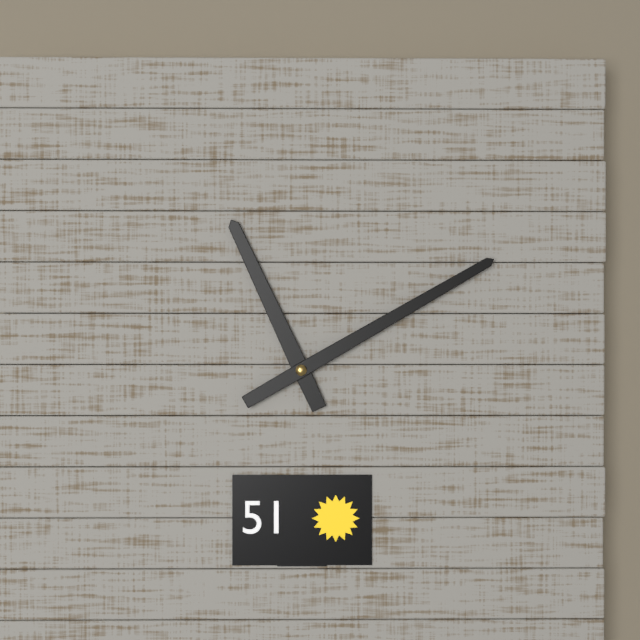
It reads 11h10
